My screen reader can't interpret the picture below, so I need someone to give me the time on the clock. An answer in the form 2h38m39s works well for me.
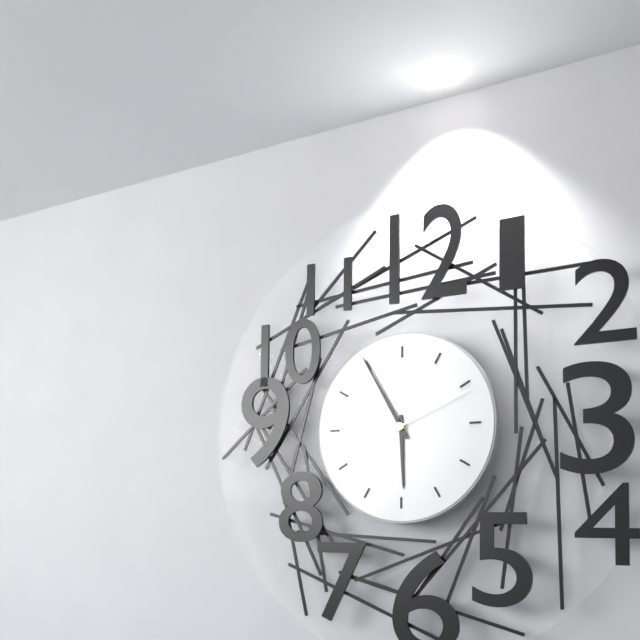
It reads 5h55m11s
